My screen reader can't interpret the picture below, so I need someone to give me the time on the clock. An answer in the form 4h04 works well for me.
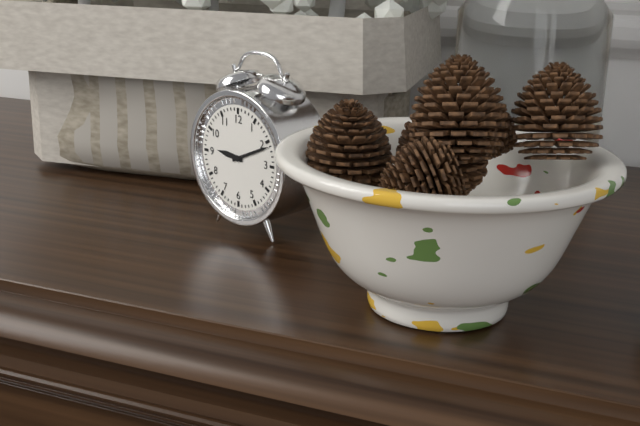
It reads 9h11
